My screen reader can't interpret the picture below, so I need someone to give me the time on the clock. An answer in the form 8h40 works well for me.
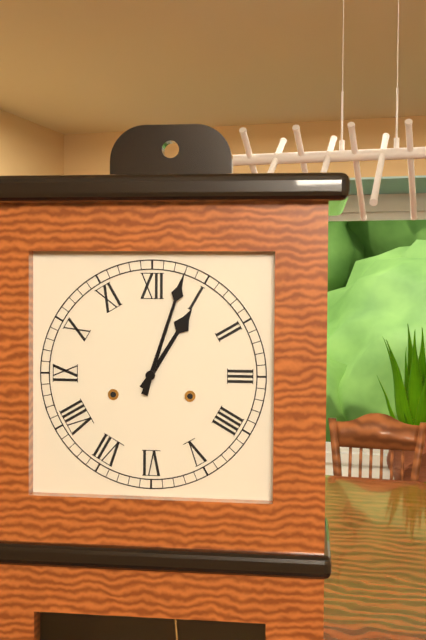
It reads 1h03
